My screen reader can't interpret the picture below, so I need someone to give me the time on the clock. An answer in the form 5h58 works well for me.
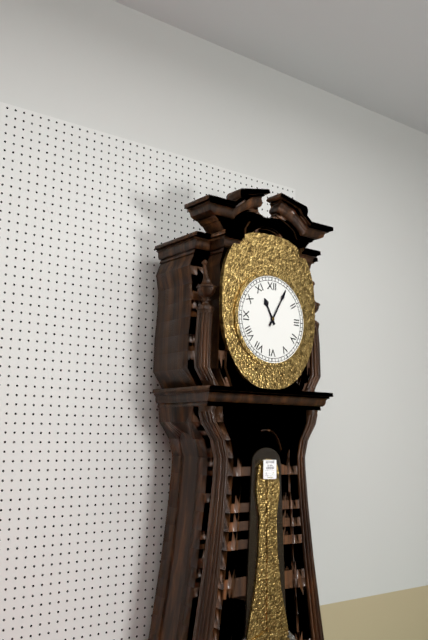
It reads 11h05
